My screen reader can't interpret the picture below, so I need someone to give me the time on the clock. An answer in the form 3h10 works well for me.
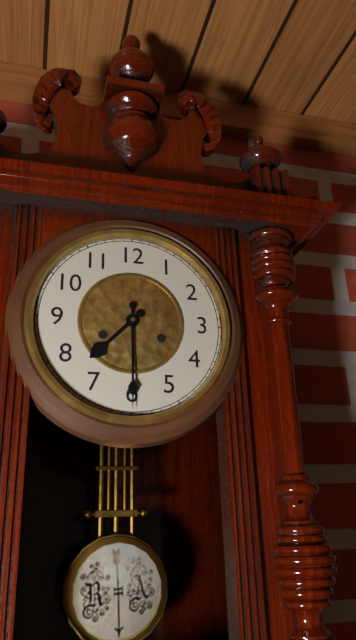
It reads 7h30
